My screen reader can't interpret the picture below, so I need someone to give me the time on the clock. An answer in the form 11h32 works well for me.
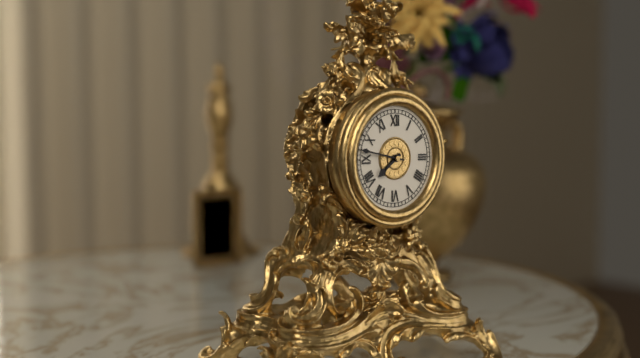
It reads 7h47
